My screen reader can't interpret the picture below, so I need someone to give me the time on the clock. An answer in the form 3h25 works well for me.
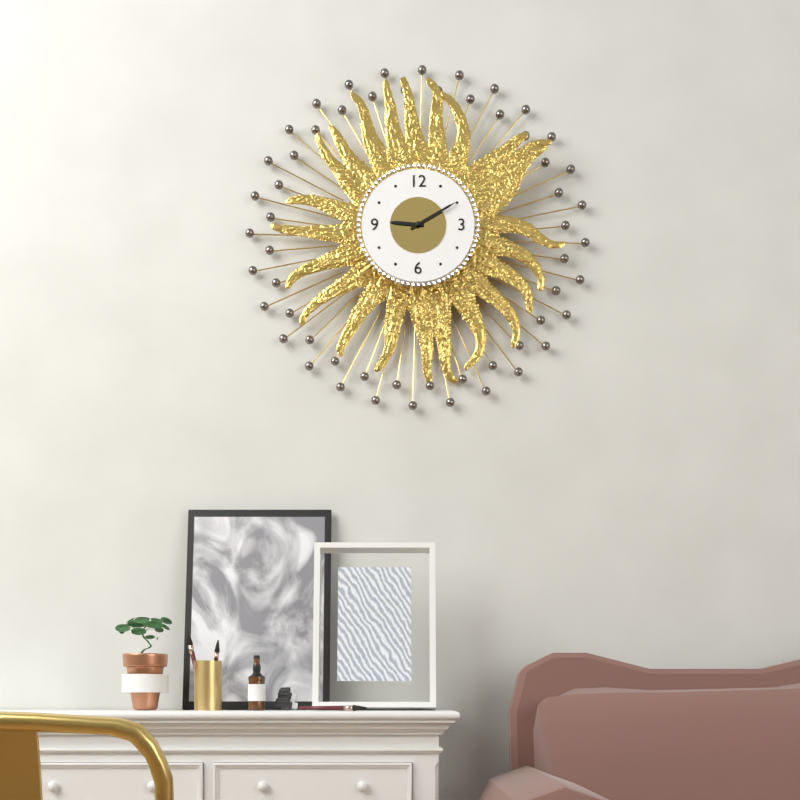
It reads 9h10
